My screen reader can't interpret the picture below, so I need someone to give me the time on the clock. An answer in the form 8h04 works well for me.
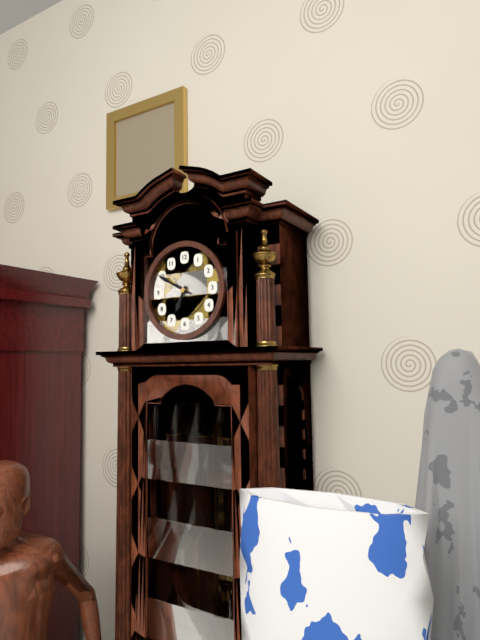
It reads 6h50
